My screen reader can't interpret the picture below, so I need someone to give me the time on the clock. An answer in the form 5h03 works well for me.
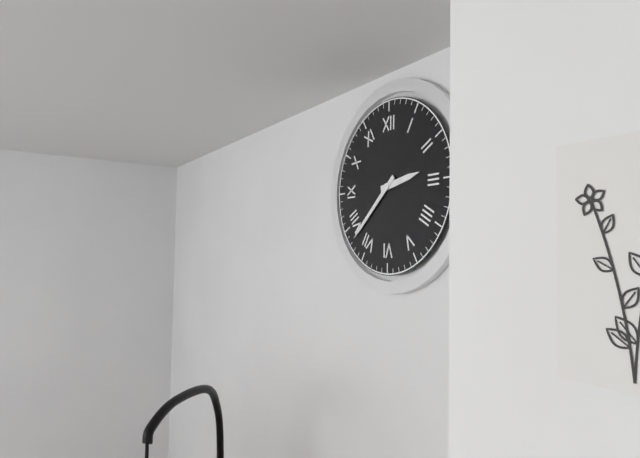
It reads 2h38
